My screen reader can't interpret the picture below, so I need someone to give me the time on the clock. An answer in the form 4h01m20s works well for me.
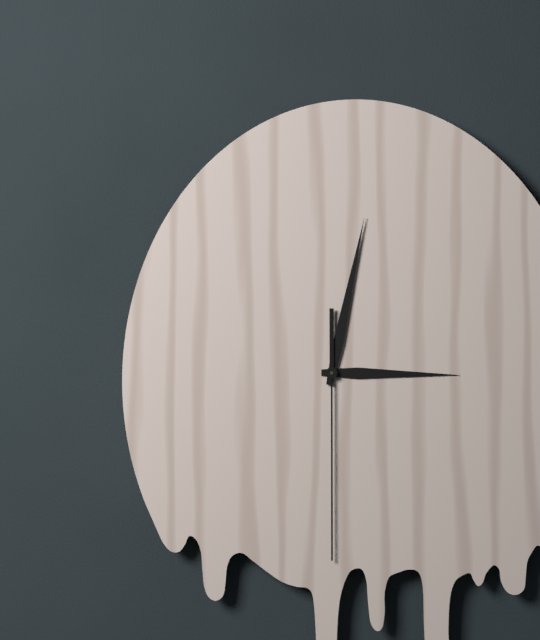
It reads 3h02m30s
